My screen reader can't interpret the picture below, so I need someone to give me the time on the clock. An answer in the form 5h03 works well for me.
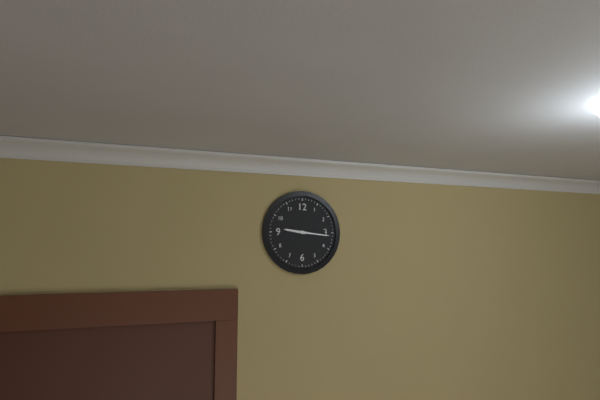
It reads 9h16
